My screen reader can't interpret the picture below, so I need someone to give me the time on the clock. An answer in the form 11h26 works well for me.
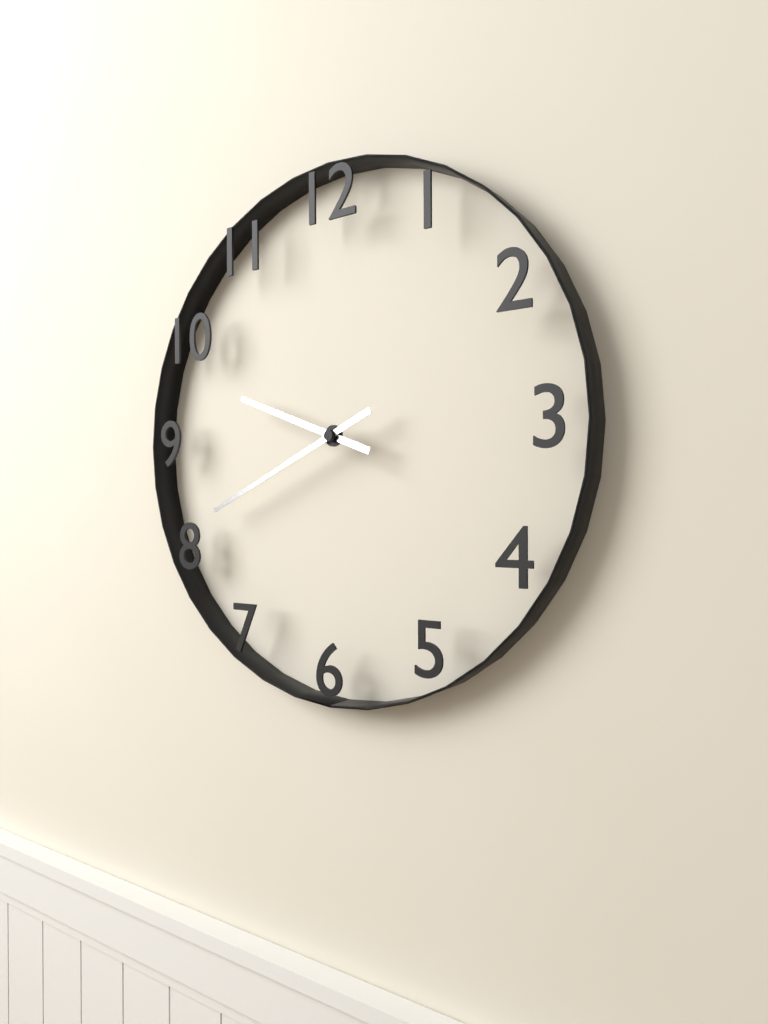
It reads 9h41
